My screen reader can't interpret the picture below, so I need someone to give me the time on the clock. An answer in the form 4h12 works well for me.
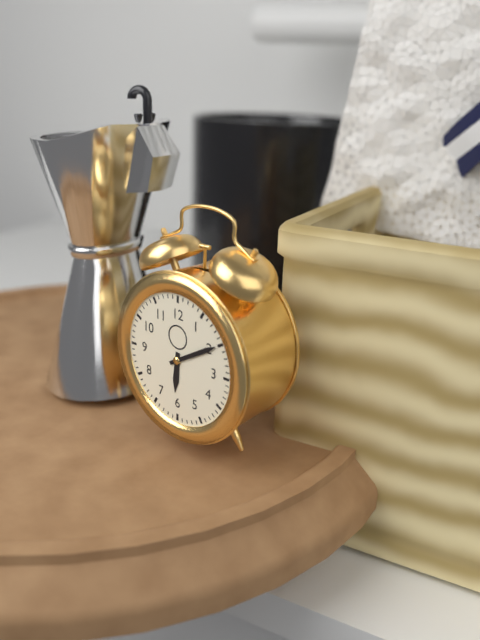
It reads 6h10
